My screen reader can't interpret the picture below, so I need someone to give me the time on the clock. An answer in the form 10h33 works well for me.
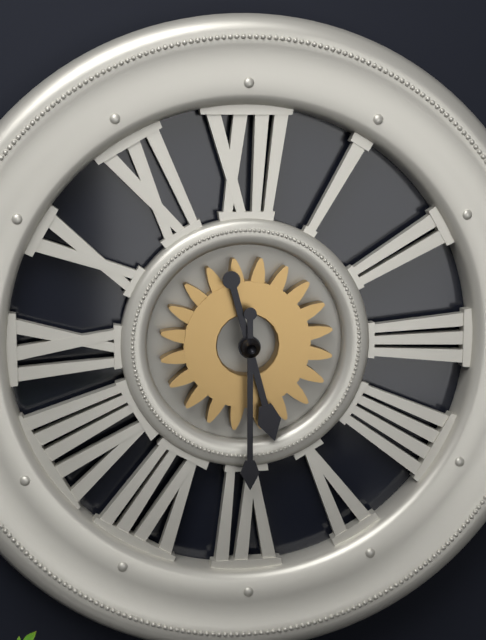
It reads 5h30
